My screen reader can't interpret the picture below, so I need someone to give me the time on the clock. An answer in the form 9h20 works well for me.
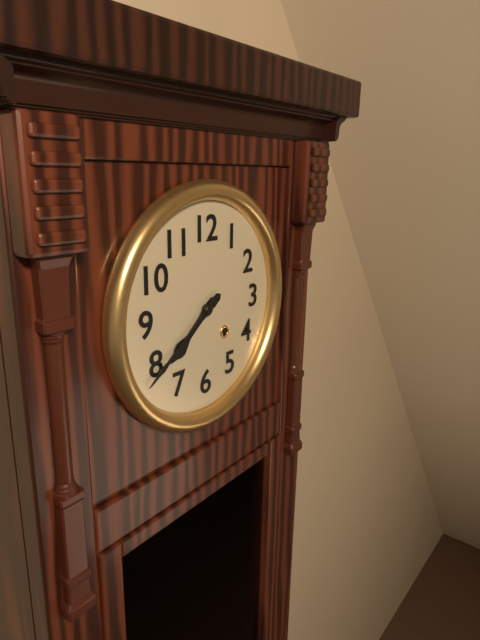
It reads 7h39
